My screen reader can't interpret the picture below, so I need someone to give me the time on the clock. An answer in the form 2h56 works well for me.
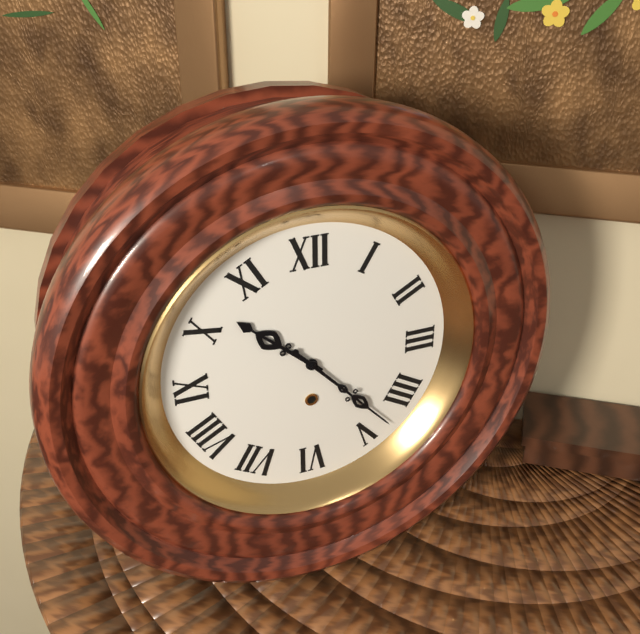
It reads 10h23
